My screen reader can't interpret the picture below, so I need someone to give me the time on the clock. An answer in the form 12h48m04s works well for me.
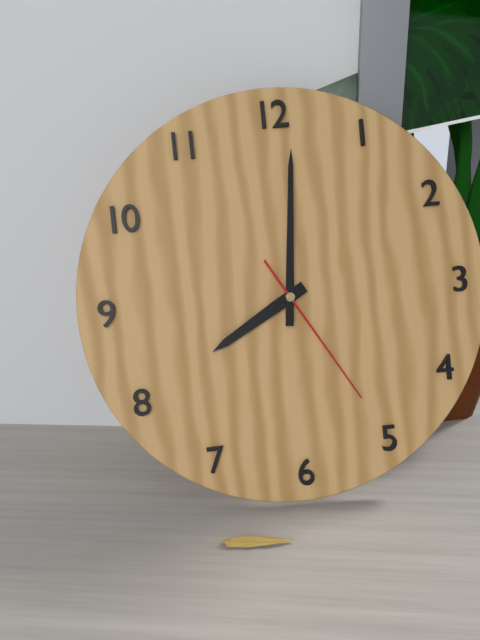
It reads 8h01m25s
